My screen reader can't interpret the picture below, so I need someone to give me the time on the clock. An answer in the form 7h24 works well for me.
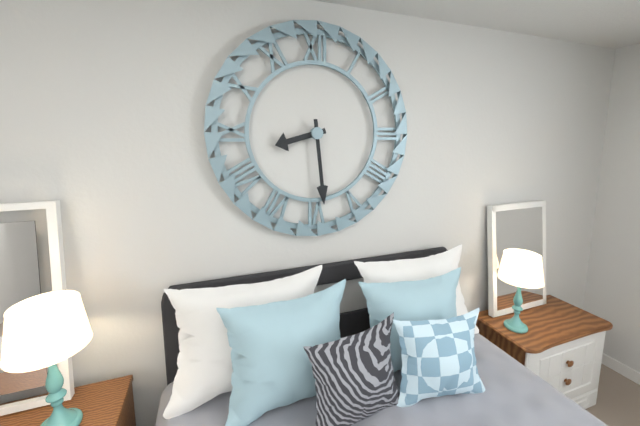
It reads 8h29
